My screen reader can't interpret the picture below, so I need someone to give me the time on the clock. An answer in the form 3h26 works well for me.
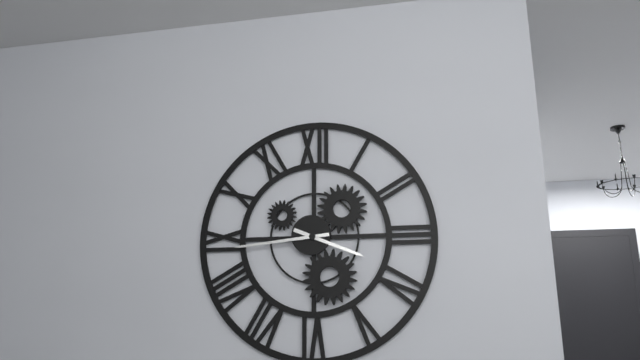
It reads 3h44
